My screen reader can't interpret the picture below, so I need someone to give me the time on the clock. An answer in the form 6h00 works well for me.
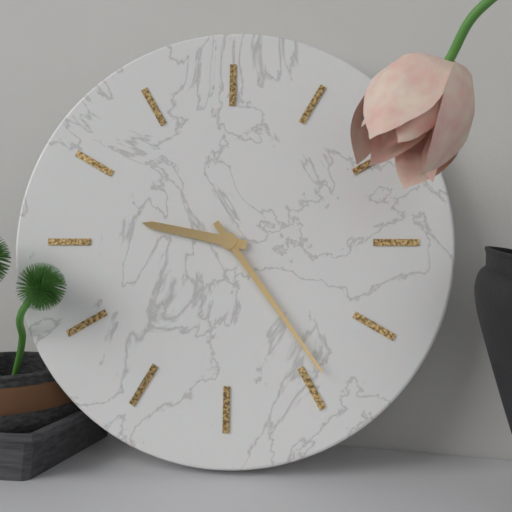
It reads 9h24
